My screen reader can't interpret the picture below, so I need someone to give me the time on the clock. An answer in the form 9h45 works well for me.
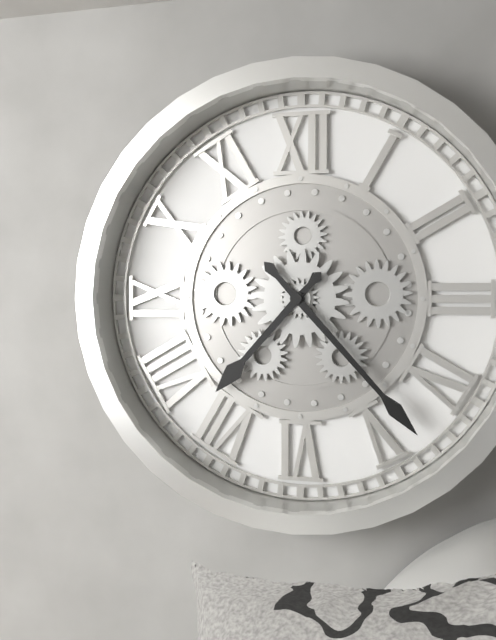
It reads 7h23
